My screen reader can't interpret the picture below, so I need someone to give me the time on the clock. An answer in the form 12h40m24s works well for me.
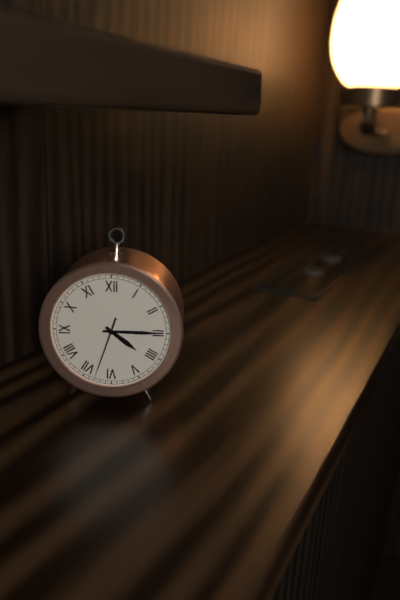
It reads 4h15m33s
